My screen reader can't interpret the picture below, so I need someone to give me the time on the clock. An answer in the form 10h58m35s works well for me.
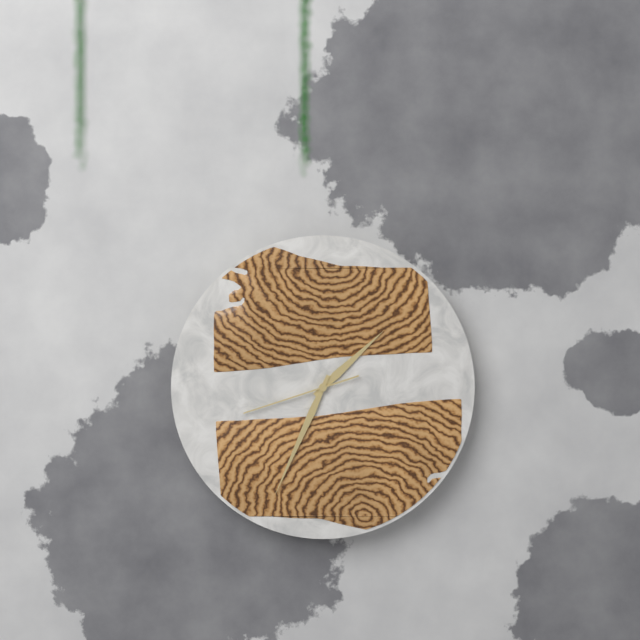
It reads 1h34m42s
